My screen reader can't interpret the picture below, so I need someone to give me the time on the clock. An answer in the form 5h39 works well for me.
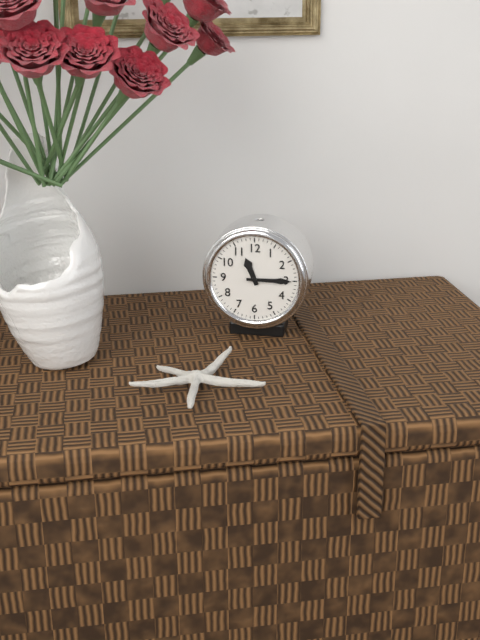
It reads 11h15
